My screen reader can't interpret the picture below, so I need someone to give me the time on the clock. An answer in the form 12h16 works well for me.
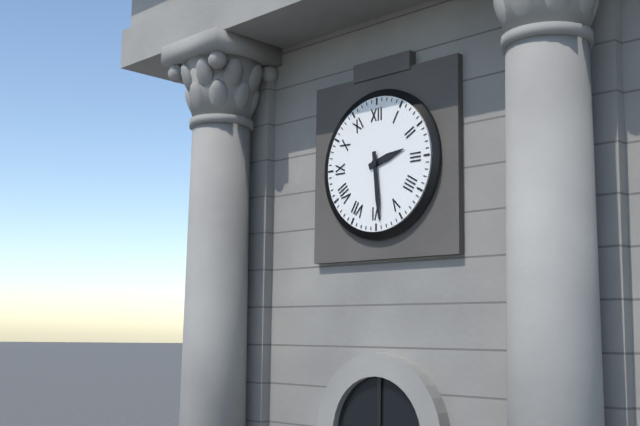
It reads 2h29
